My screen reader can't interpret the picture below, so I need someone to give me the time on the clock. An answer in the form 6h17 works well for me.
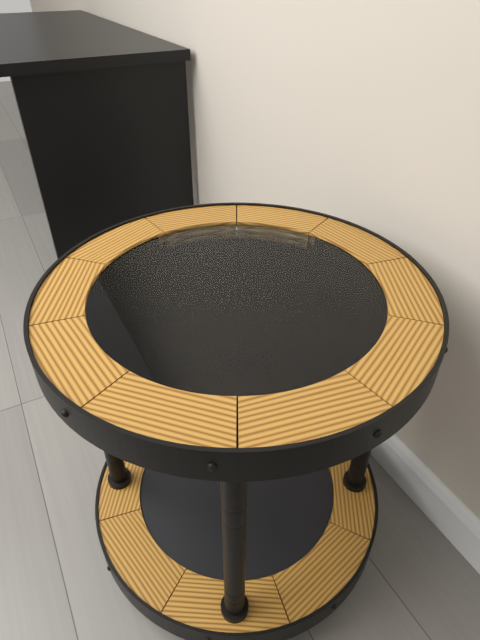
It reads 4h27
